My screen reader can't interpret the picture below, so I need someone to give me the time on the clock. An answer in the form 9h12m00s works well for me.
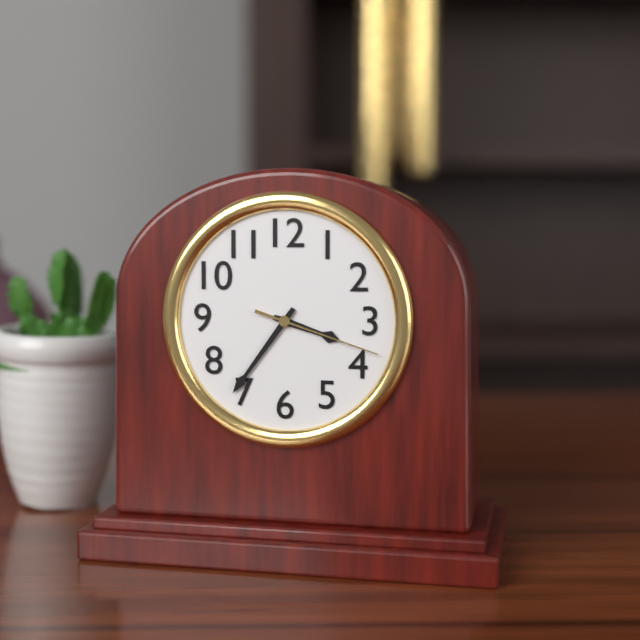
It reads 3h36m18s
